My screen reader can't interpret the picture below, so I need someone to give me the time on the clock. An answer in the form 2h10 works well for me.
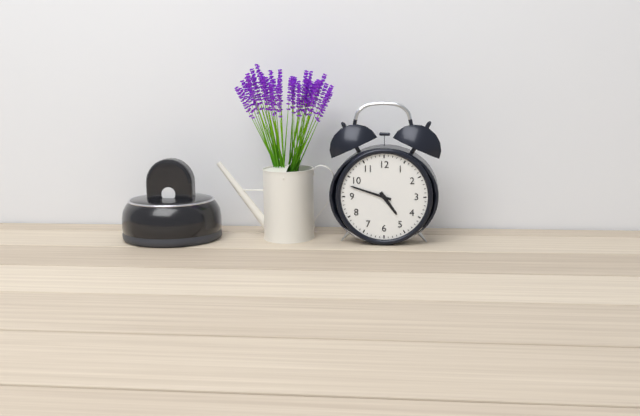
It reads 4h48
